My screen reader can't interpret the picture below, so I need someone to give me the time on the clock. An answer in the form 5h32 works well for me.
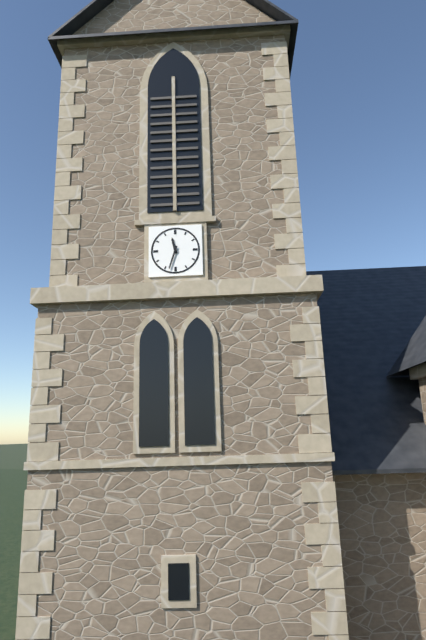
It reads 11h33
